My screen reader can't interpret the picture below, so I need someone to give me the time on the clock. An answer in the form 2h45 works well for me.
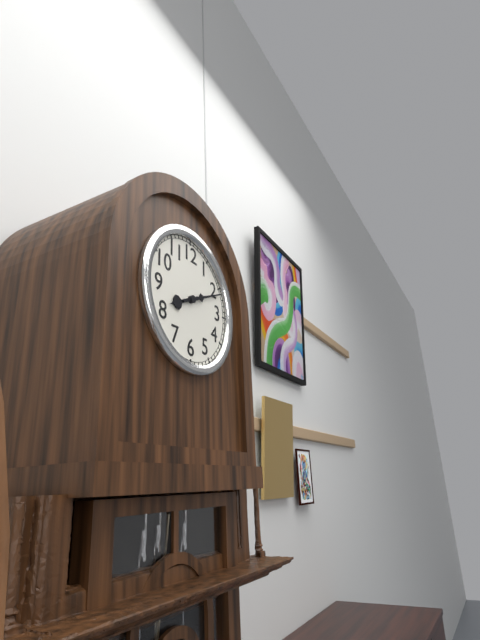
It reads 8h11
